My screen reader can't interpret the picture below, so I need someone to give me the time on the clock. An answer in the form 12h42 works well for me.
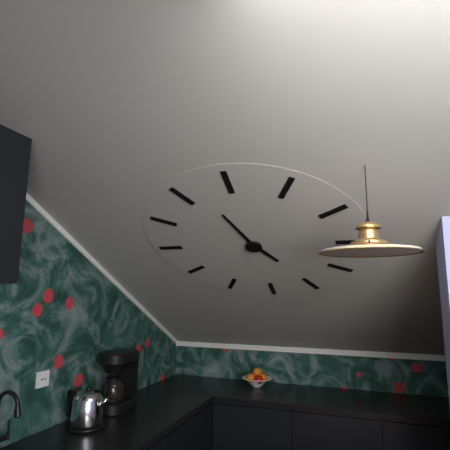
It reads 4h57
